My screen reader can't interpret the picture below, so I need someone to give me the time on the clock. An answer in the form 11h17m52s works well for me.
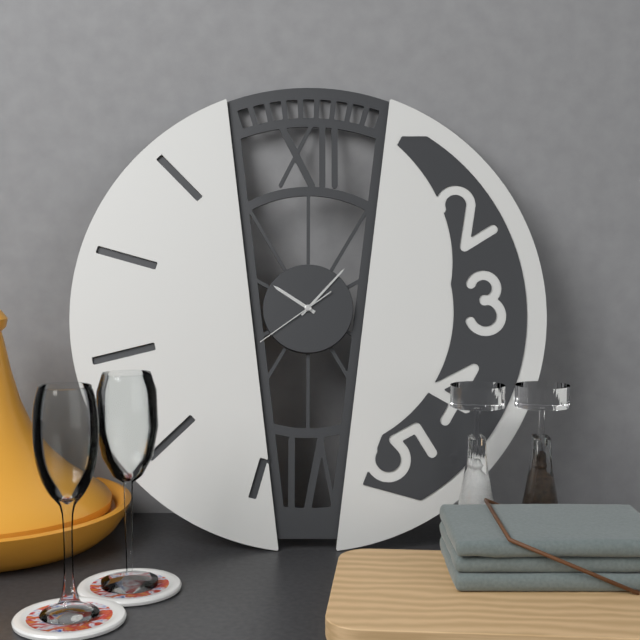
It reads 10h07m39s
